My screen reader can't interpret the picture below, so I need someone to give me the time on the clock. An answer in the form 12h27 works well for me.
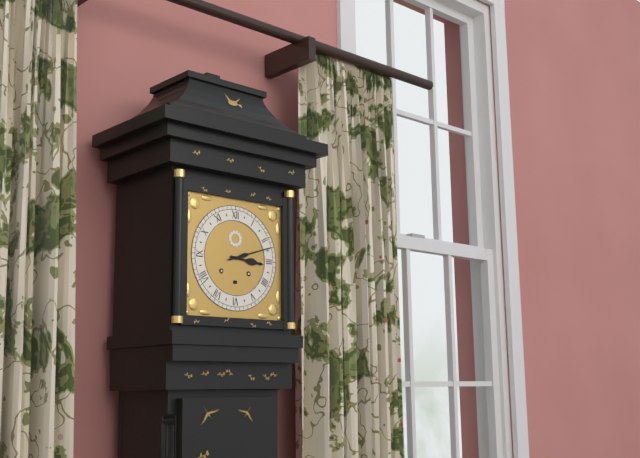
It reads 3h12
